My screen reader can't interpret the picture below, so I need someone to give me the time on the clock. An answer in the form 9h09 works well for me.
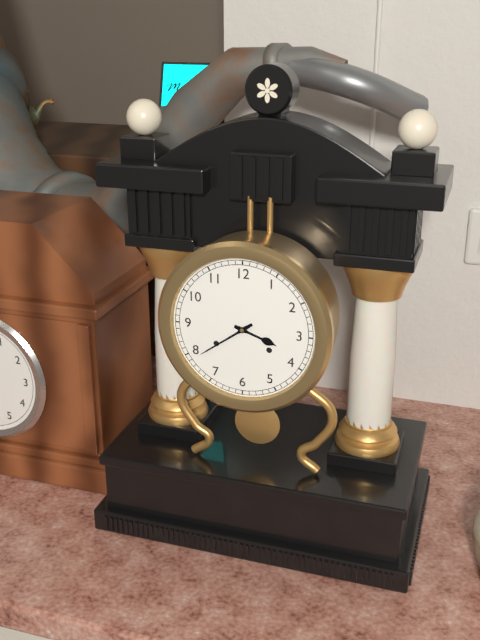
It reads 3h39
